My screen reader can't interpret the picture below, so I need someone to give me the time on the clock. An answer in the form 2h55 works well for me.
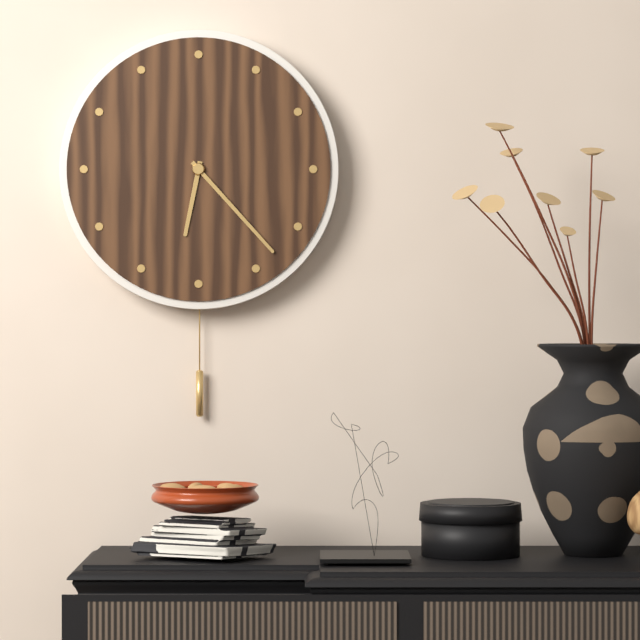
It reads 6h23
